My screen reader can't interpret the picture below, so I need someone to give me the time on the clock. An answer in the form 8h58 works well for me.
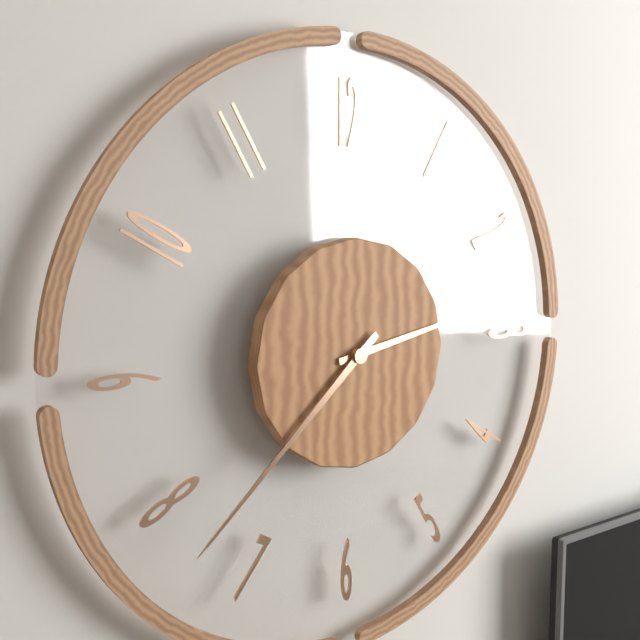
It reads 2h38
